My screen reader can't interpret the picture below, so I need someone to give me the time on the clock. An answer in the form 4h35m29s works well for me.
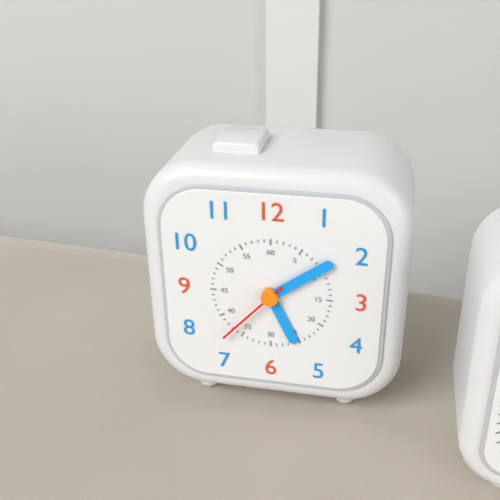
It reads 5h09m37s
